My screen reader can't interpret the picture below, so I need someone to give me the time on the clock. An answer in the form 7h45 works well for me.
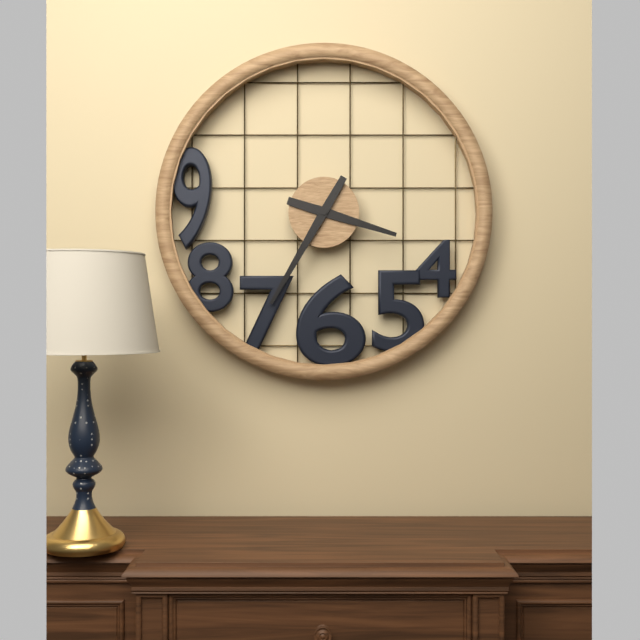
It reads 3h35
